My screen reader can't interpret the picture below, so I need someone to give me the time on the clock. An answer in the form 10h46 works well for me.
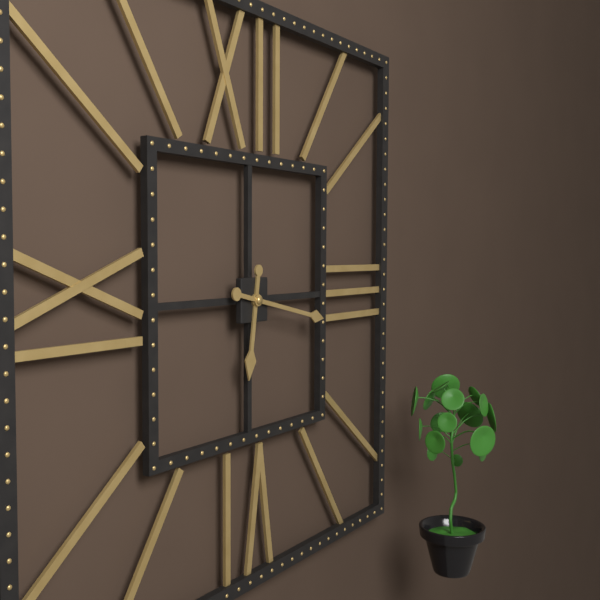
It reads 6h17
